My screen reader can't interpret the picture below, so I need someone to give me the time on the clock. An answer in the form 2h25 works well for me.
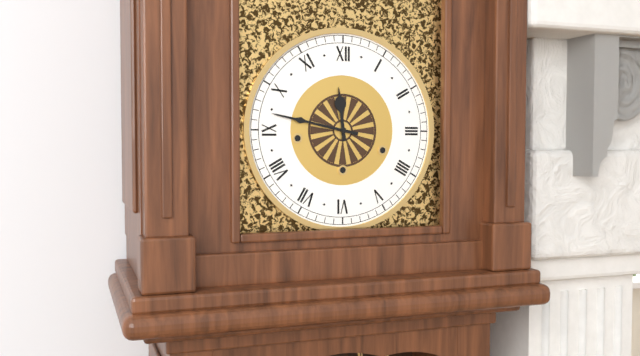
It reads 11h47
